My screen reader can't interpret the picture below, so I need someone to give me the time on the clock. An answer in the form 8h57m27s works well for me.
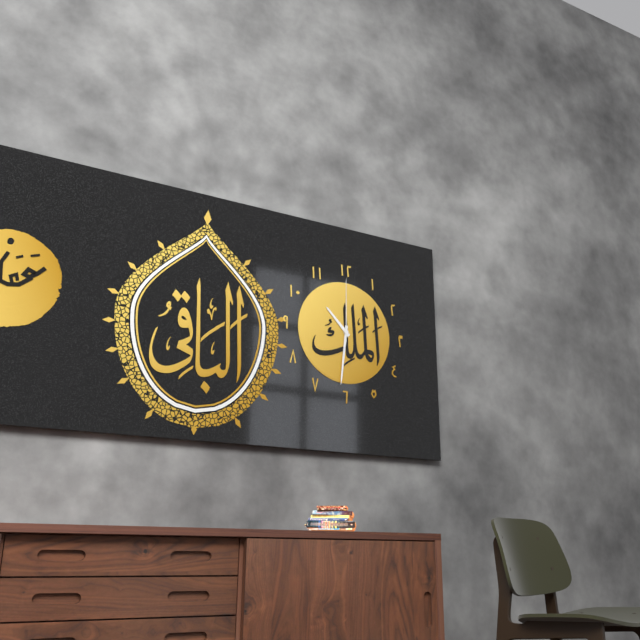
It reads 10h31m00s
